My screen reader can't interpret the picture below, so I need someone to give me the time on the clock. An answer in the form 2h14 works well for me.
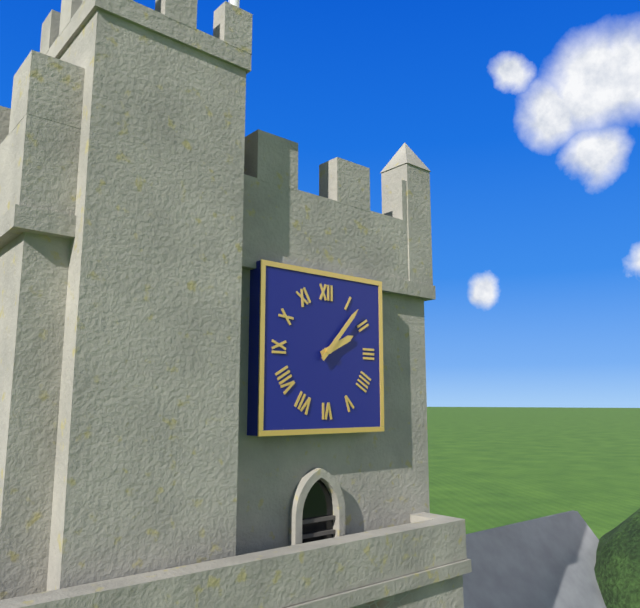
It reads 2h07
